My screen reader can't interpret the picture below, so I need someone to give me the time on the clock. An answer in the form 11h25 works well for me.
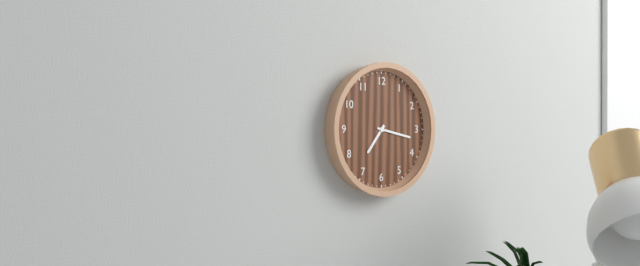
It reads 7h17
